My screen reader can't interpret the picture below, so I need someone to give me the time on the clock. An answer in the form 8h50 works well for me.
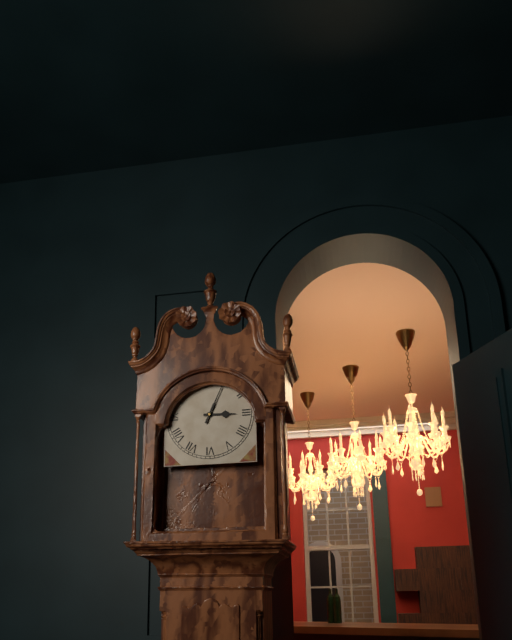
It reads 3h04
